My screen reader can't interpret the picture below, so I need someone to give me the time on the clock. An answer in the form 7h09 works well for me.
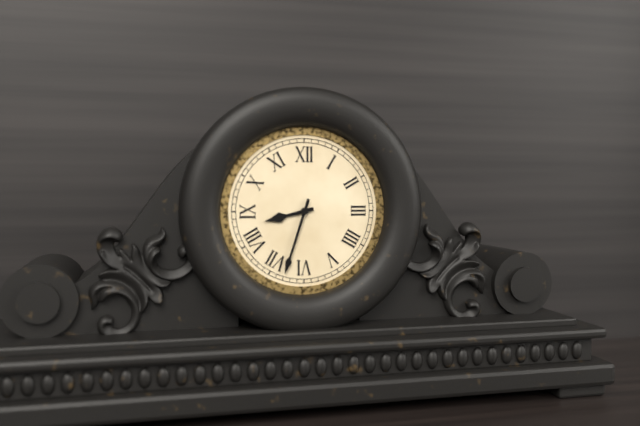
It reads 8h33
